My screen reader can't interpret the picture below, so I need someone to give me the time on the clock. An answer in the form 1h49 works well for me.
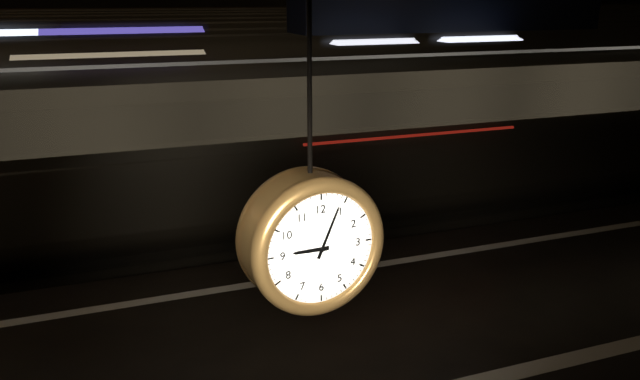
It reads 9h04
